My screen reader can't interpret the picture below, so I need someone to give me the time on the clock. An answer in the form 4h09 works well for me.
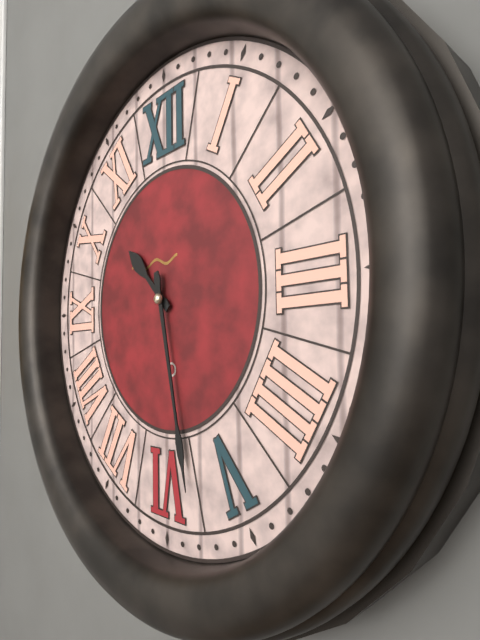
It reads 10h28
